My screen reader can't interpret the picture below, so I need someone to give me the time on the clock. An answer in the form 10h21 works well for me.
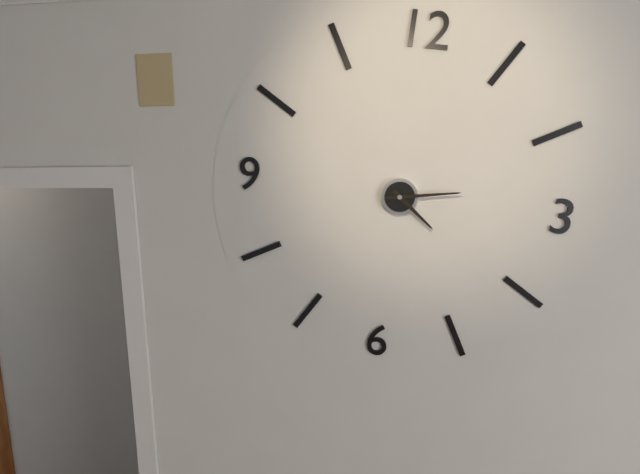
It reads 4h13
